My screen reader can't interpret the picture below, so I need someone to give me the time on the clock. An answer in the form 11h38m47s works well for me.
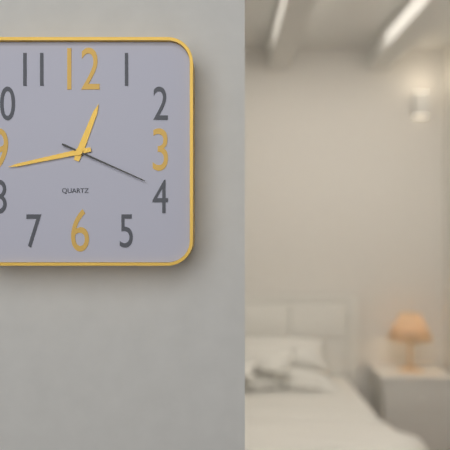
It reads 12h43m19s
